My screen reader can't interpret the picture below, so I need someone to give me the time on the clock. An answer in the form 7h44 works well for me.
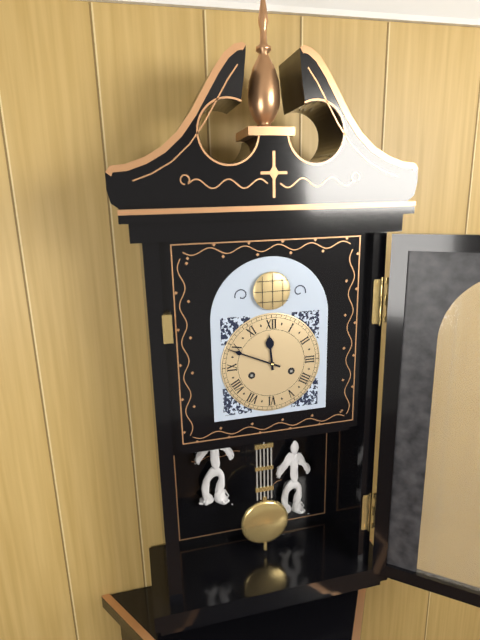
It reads 11h49
